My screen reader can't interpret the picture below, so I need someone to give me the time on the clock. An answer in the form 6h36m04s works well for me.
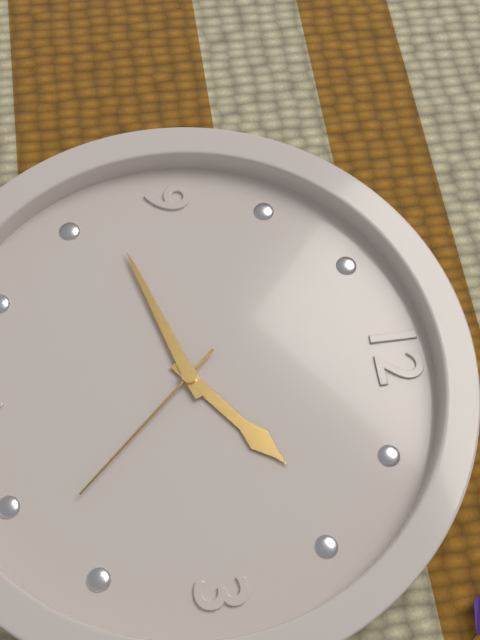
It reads 1h42m23s
